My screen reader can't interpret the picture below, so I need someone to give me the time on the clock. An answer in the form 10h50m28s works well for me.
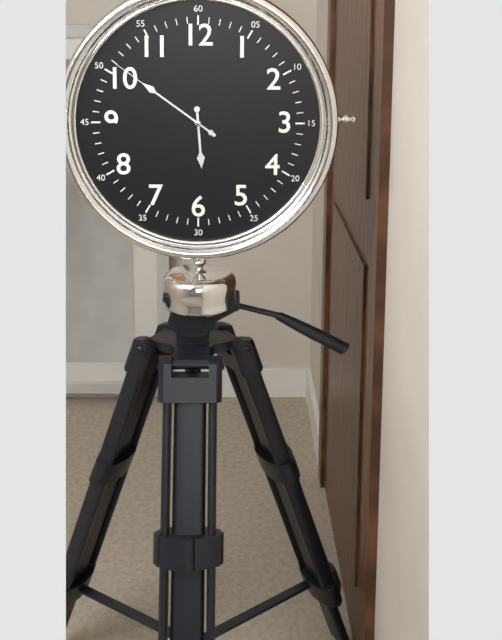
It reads 5h51m51s
